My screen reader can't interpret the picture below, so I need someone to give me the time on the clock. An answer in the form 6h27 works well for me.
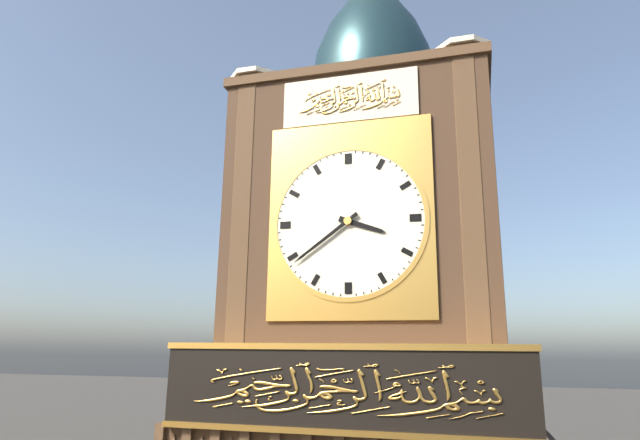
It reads 3h39
